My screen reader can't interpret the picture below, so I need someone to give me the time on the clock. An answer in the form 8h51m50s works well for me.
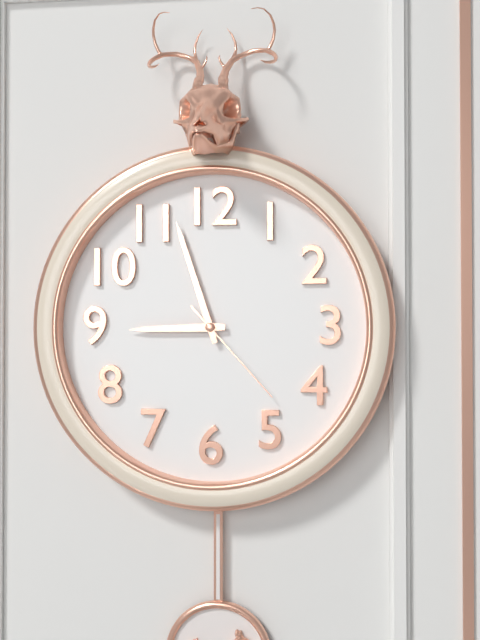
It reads 8h57m23s
